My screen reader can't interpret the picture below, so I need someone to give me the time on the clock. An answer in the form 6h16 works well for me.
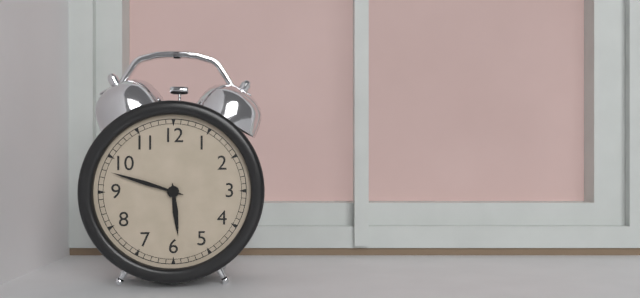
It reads 5h48
